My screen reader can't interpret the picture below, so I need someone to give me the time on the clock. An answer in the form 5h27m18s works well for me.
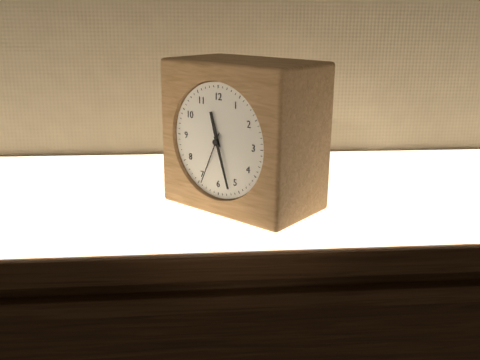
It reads 11h27m34s
